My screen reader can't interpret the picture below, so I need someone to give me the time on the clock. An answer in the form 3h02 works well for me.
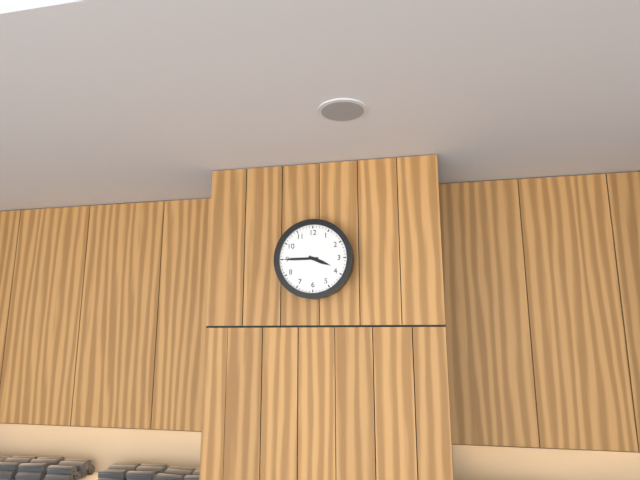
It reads 3h45
